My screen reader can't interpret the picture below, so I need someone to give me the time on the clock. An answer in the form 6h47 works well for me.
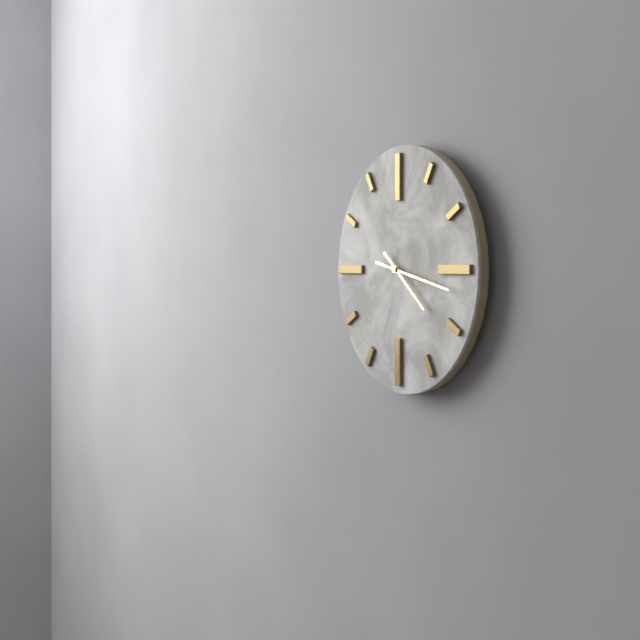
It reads 4h17
